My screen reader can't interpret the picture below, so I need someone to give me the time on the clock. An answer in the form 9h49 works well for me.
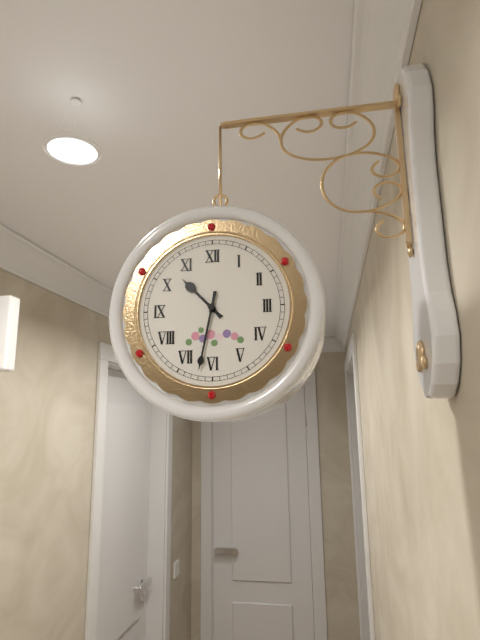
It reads 10h32
